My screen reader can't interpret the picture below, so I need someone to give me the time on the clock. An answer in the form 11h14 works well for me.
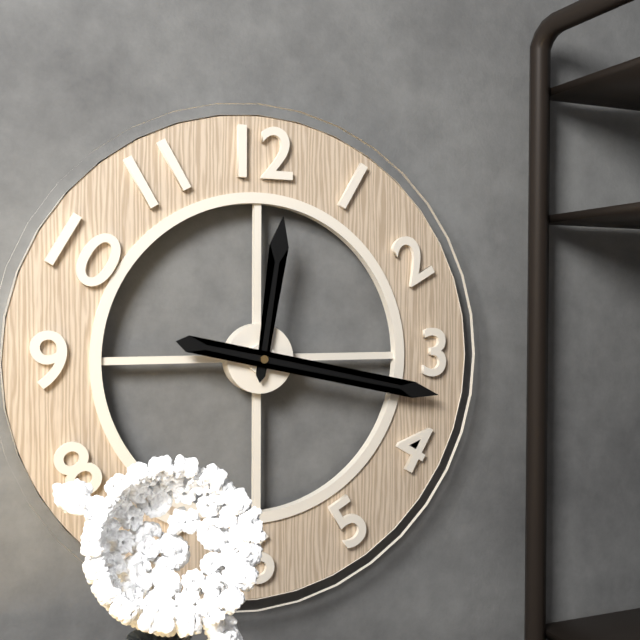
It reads 12h17
